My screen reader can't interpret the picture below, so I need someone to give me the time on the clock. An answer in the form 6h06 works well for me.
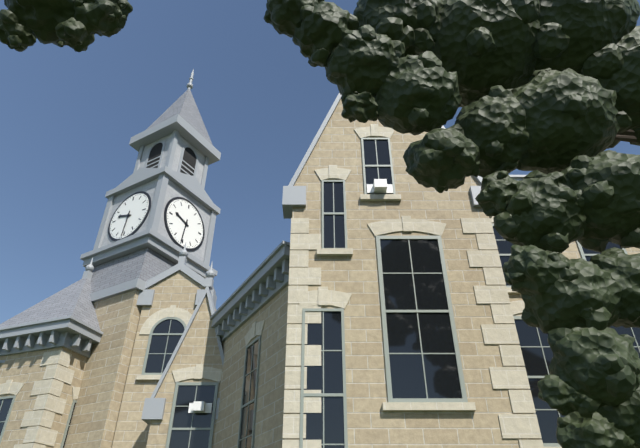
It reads 9h31
